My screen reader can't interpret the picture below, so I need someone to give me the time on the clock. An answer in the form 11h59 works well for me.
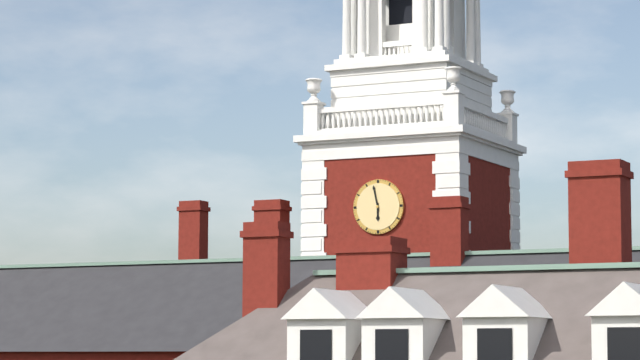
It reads 5h58
